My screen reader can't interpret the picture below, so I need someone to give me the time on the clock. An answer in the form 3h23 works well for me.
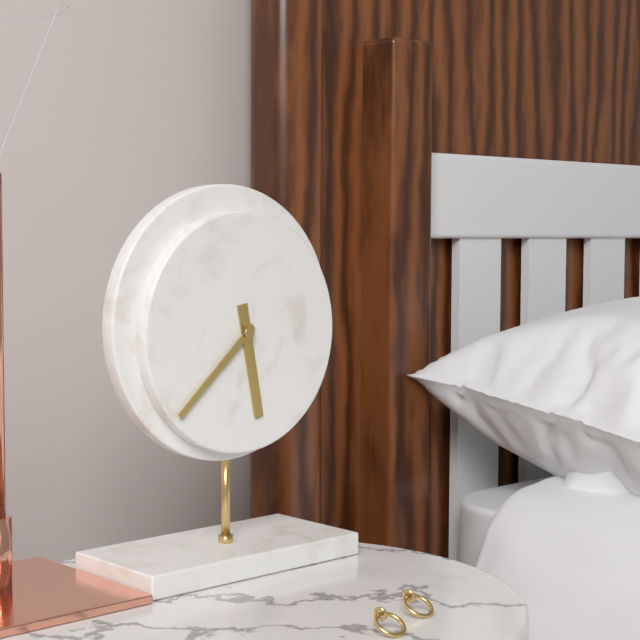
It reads 5h38
